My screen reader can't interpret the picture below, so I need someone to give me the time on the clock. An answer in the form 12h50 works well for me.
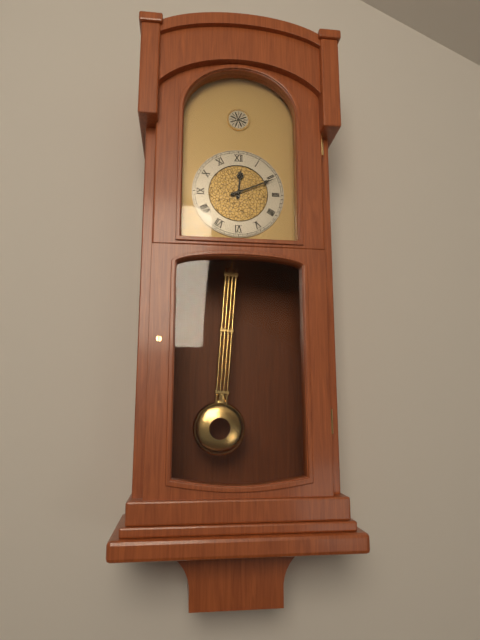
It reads 12h11
